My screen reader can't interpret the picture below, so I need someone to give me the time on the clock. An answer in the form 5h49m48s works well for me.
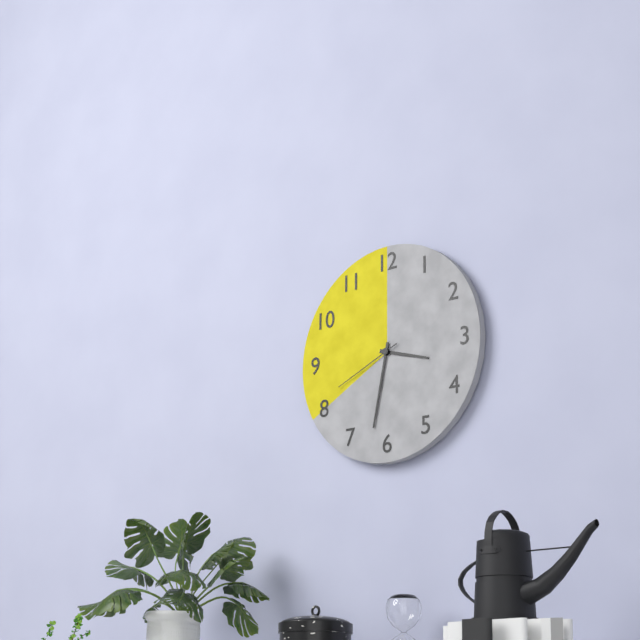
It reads 3h32m41s
